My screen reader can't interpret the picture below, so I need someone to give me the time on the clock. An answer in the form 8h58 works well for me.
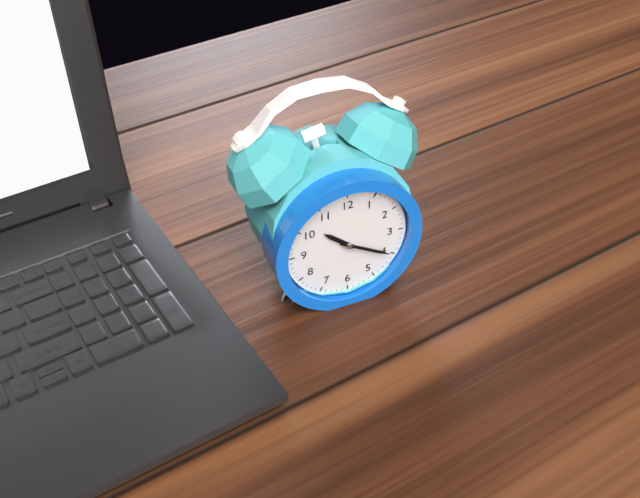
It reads 10h20
